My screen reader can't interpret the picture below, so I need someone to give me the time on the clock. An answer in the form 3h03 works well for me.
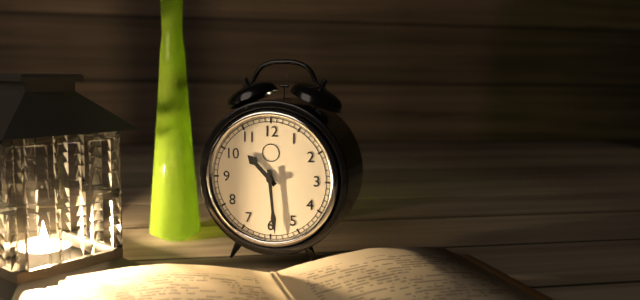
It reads 10h29
